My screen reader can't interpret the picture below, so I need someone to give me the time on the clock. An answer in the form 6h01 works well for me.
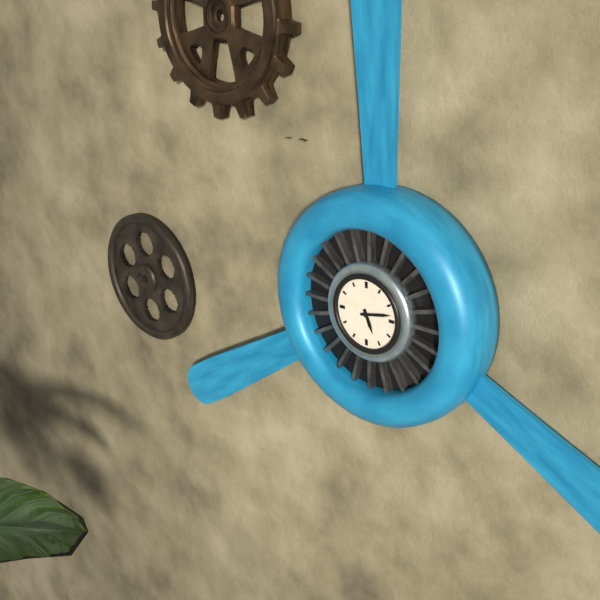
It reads 5h13
